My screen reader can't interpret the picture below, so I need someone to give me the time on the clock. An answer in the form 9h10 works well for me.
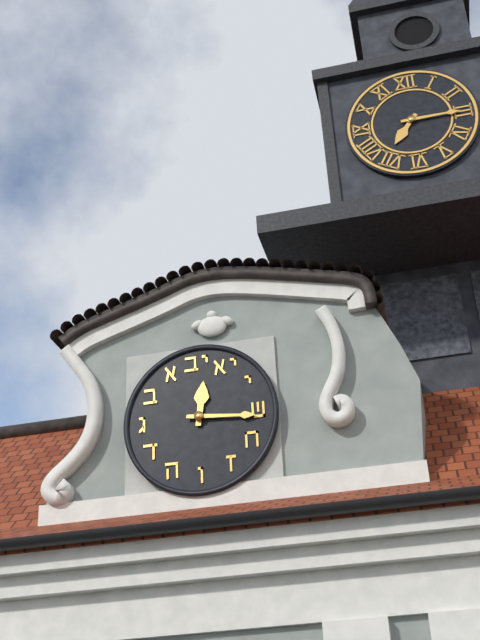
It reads 12h16
